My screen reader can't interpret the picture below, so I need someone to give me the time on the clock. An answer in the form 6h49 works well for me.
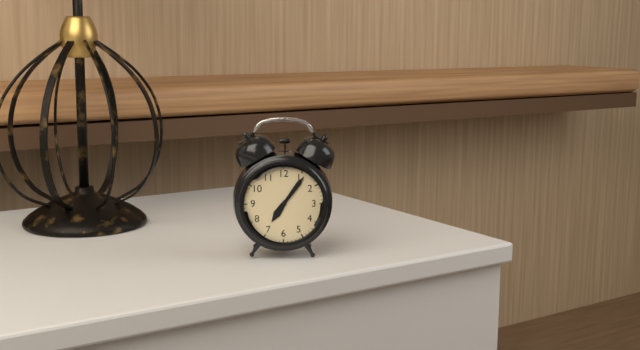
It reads 7h06
